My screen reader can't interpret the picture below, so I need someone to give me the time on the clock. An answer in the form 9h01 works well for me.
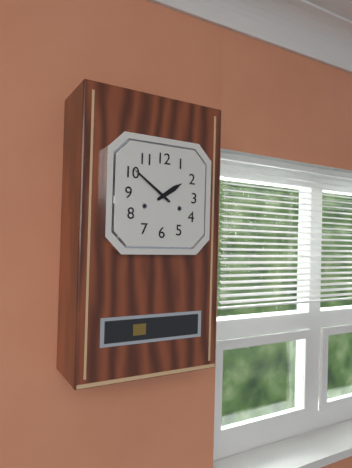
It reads 1h51
